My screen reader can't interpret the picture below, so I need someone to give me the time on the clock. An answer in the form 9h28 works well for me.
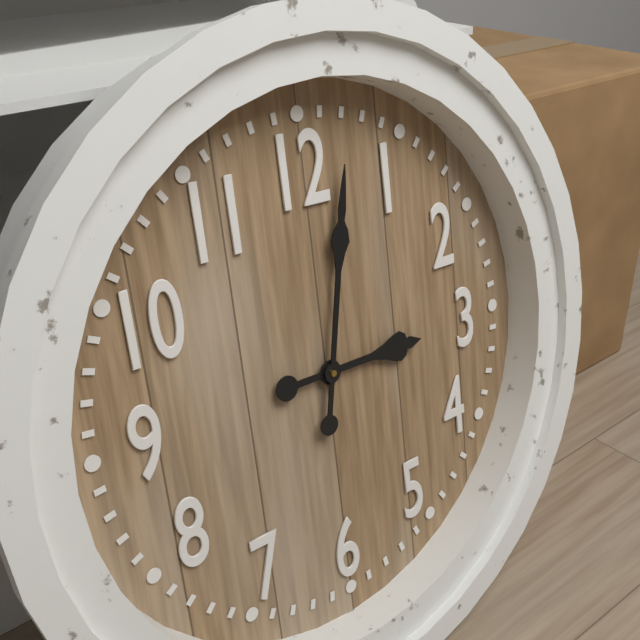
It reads 3h02
